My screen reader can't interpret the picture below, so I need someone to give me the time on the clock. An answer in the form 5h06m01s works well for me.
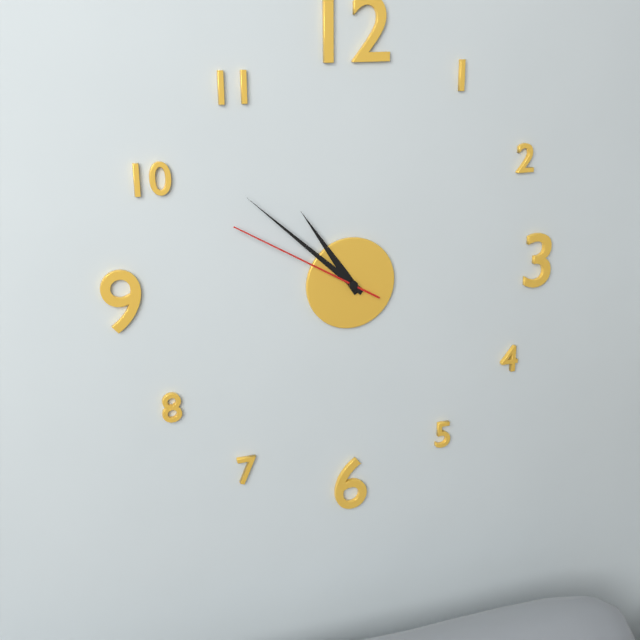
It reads 10h52m50s
